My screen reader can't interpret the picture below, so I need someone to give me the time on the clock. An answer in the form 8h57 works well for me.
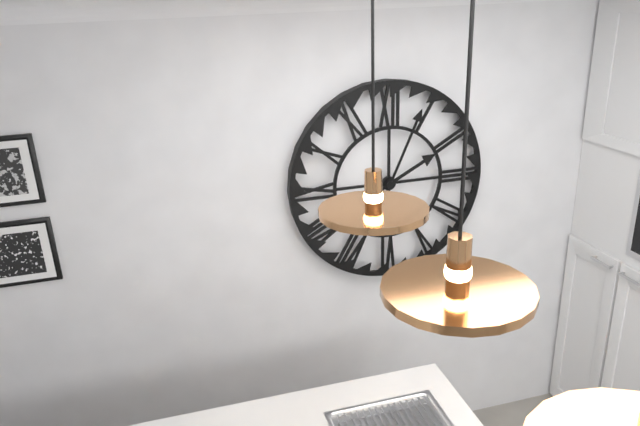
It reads 2h04
